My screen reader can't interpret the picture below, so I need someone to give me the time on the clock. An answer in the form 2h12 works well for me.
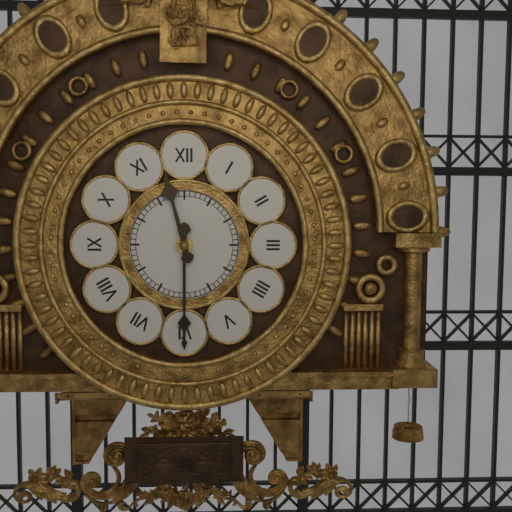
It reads 11h30
